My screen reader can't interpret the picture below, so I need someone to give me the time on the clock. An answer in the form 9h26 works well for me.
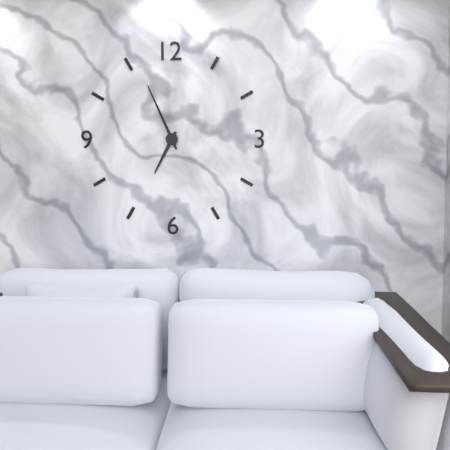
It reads 6h56
